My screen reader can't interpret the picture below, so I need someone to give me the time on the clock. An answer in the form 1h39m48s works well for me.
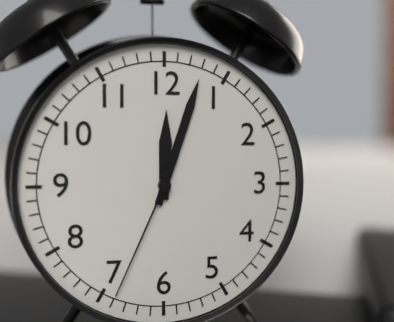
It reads 12h03m34s
